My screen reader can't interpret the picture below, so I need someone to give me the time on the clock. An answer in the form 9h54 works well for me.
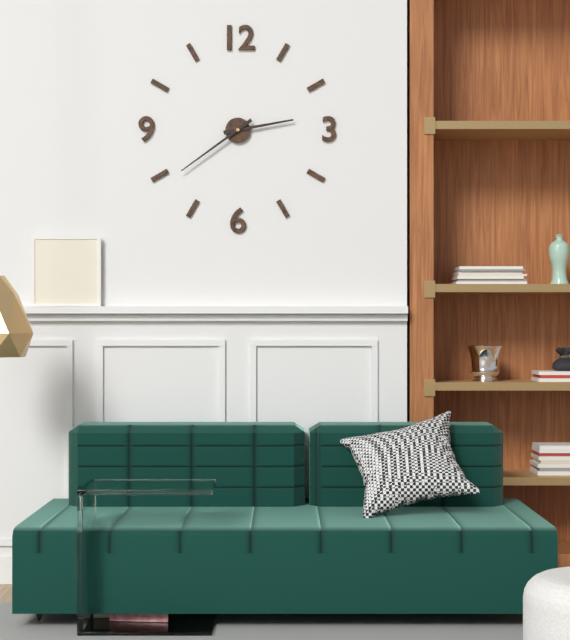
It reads 2h39
